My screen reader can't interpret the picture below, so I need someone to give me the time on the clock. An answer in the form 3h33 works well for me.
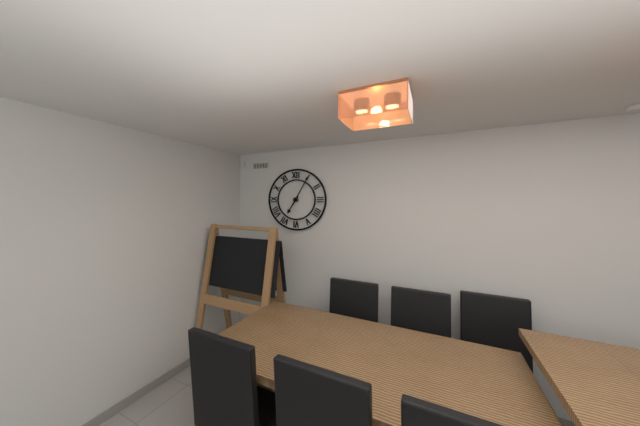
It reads 7h05
